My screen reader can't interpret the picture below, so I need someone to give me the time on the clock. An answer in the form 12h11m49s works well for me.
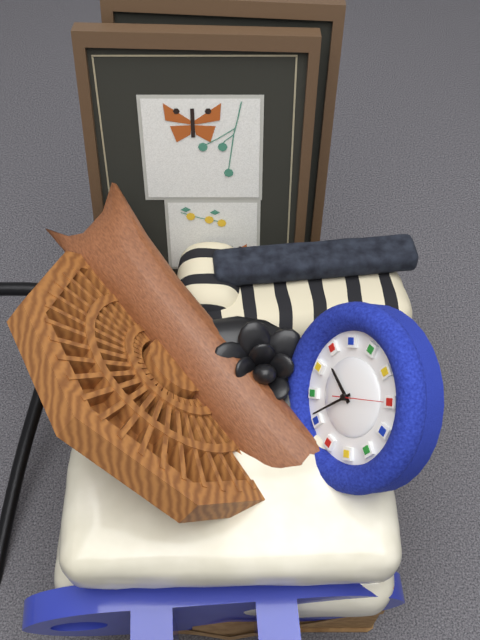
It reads 10h41m15s
